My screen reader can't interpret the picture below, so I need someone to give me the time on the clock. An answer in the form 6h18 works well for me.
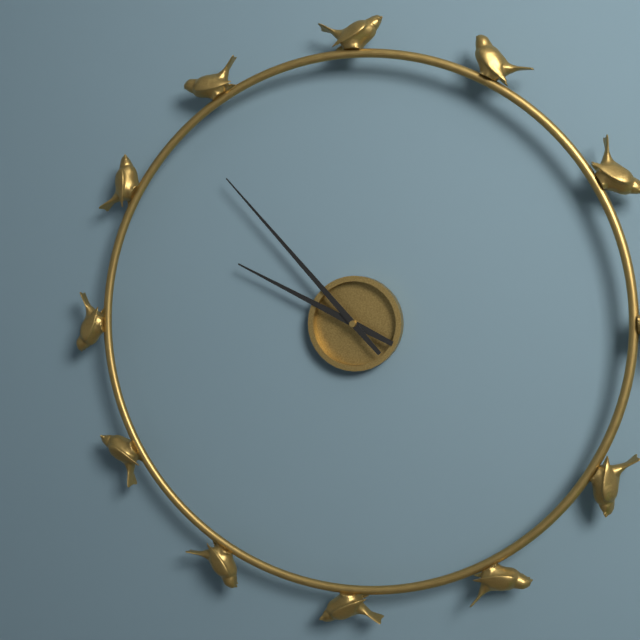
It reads 9h53
